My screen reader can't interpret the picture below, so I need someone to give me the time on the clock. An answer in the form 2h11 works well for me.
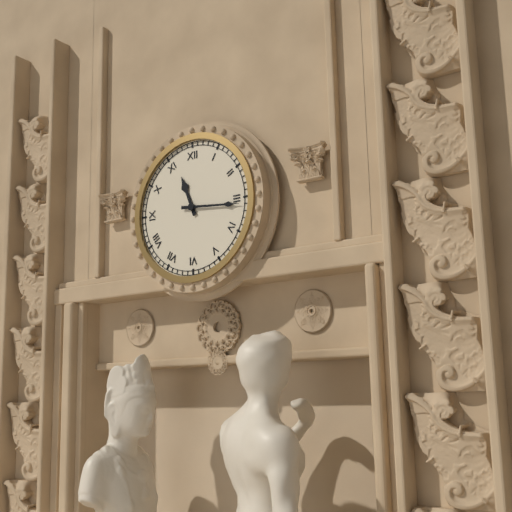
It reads 11h16
